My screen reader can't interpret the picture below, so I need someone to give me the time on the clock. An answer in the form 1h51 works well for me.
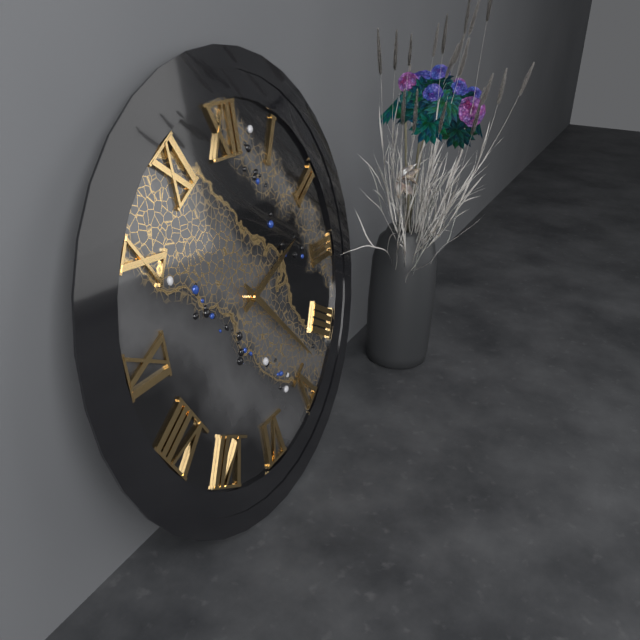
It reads 2h23
